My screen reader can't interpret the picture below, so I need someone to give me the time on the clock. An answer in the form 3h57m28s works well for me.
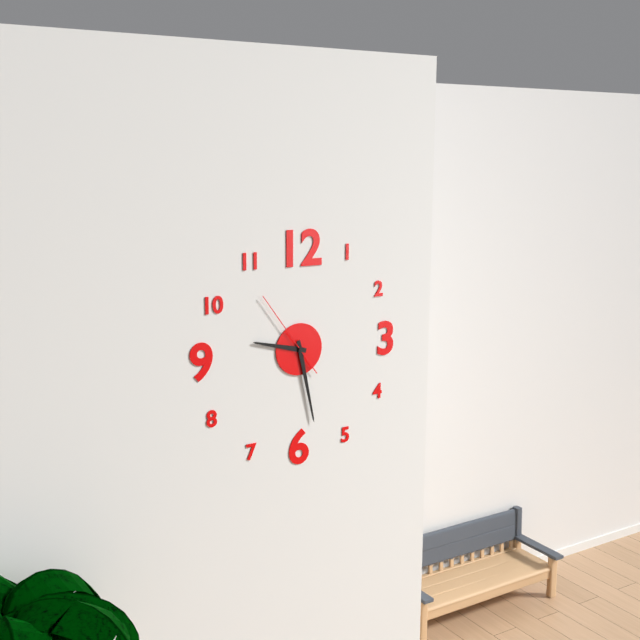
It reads 9h28m54s
